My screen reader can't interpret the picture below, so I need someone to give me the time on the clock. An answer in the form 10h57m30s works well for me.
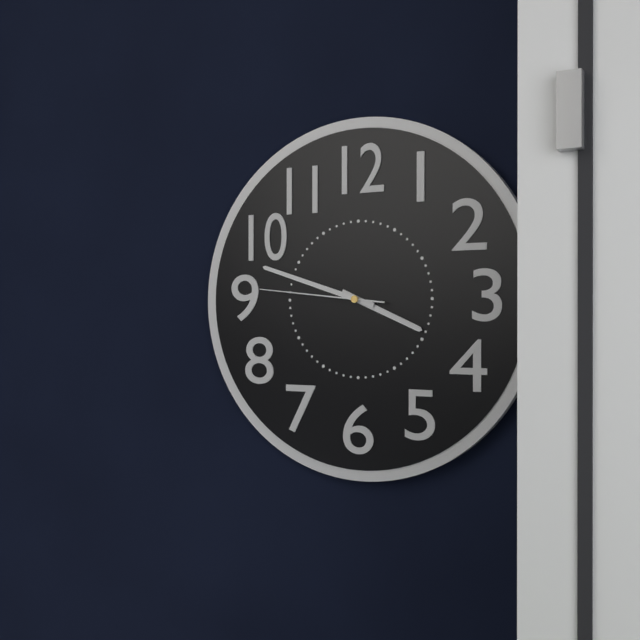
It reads 3h48m46s
